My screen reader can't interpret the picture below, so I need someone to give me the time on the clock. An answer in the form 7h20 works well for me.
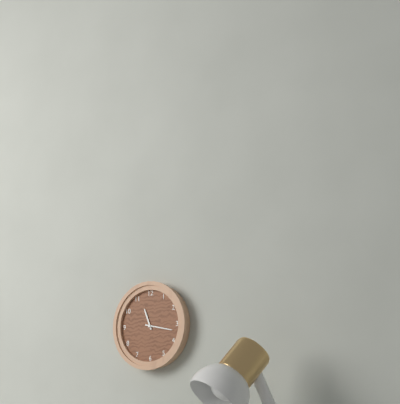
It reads 11h17
